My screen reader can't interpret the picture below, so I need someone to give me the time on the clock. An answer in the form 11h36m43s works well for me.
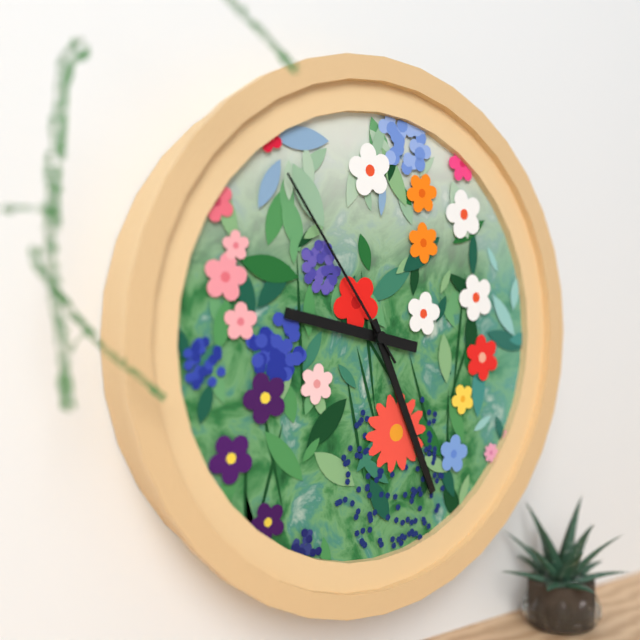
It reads 9h26m54s
